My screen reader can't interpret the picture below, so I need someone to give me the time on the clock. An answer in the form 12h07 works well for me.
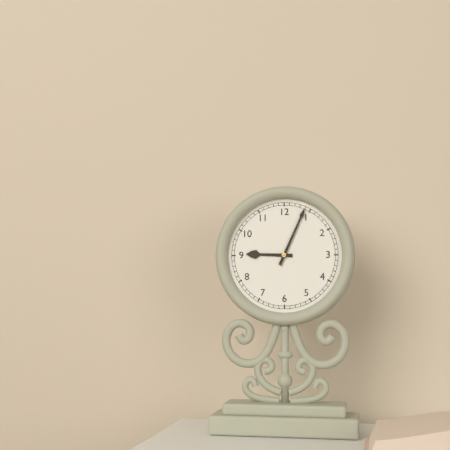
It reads 9h04
